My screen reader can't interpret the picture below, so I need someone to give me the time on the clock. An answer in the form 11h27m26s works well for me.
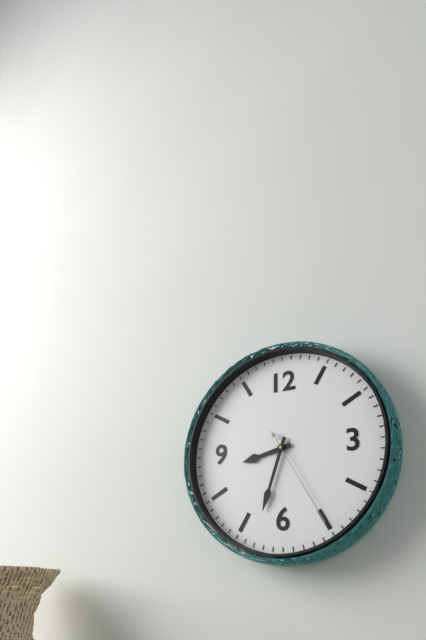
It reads 8h33m25s
